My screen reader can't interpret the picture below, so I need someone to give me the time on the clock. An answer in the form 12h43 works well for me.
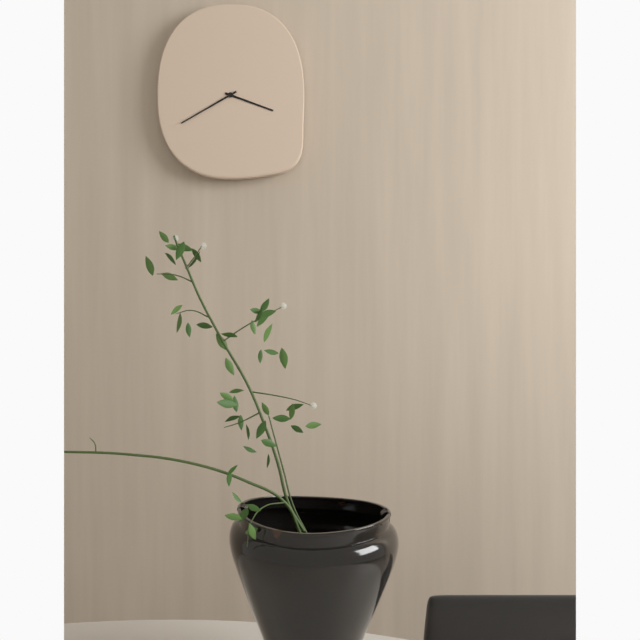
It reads 3h40
